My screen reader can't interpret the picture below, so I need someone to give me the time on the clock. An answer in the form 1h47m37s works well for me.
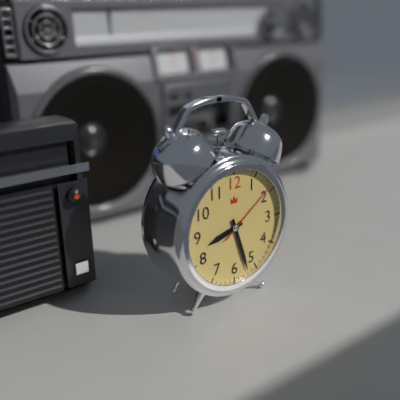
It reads 8h27m09s
